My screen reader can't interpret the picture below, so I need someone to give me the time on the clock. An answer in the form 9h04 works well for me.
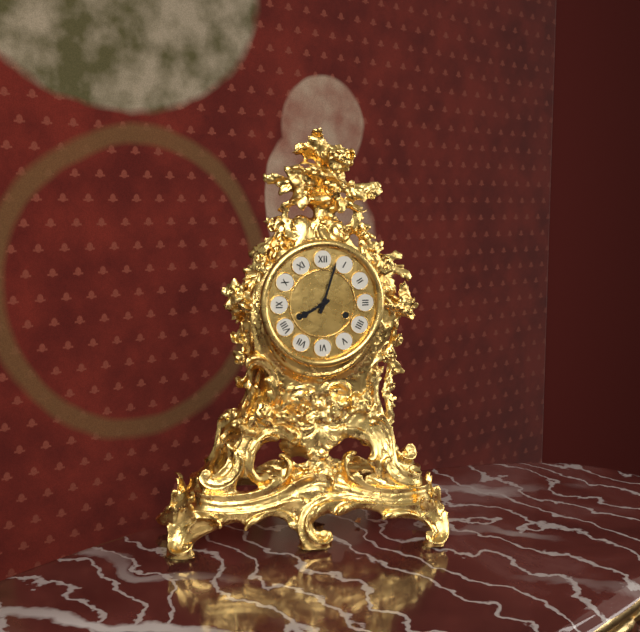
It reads 8h03
